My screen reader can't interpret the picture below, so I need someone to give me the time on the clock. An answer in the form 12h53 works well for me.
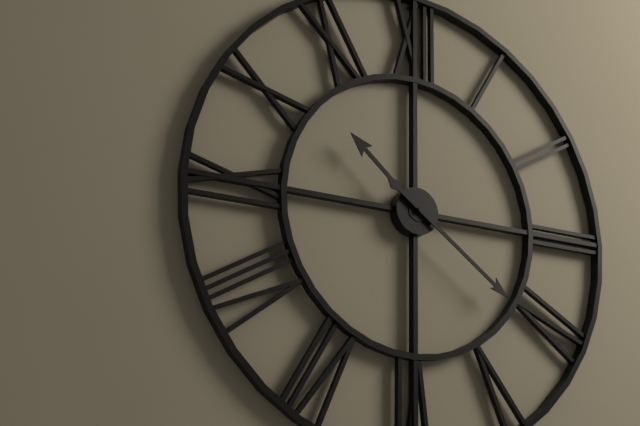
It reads 10h21
